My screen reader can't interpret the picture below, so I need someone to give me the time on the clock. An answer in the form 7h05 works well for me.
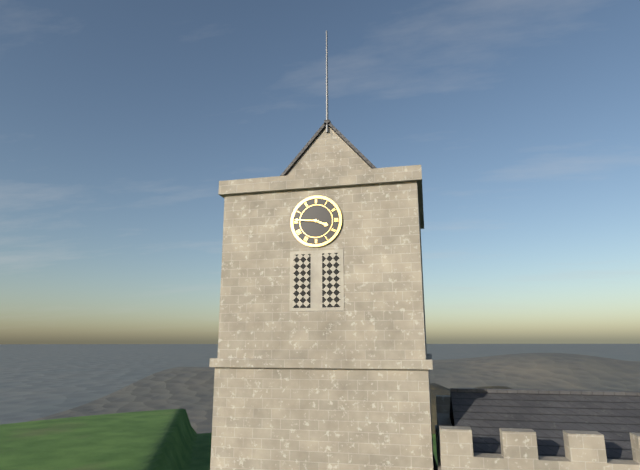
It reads 3h46
